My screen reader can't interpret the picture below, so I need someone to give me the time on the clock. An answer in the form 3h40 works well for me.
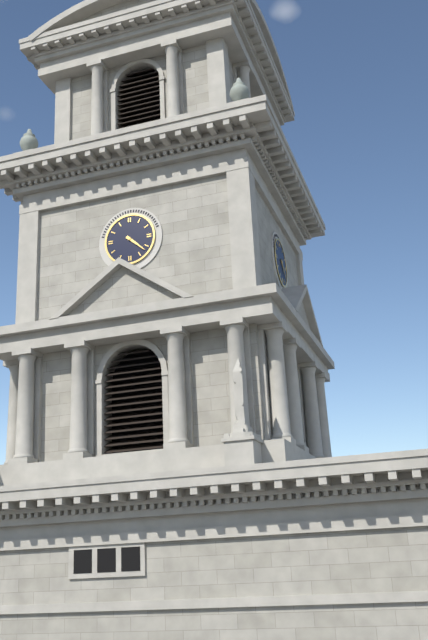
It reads 4h22
